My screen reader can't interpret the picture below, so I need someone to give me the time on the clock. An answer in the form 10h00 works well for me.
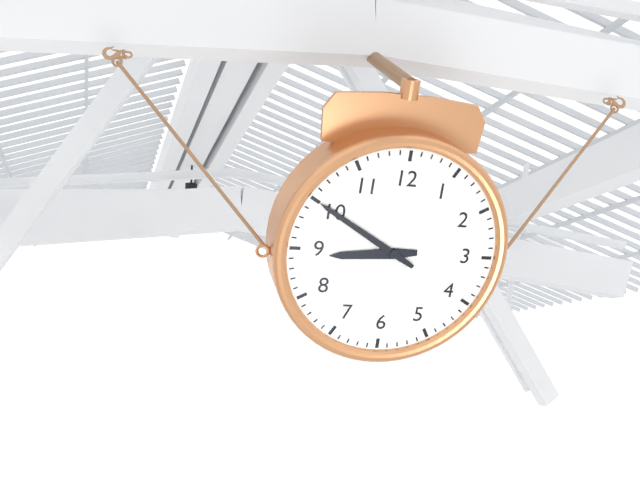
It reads 8h50
